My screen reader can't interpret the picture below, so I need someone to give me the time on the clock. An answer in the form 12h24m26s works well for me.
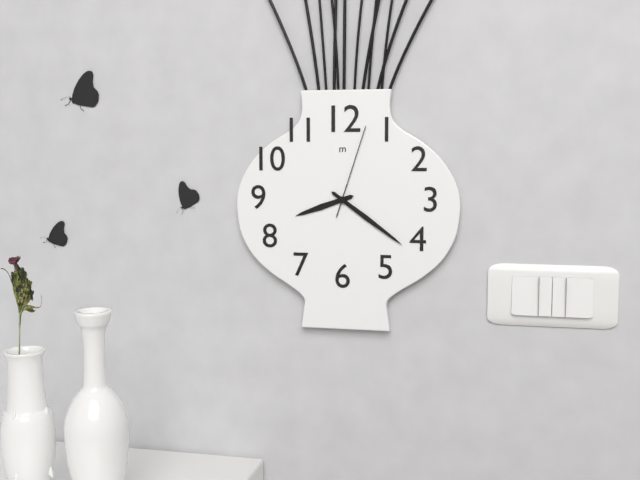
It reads 8h21m03s
